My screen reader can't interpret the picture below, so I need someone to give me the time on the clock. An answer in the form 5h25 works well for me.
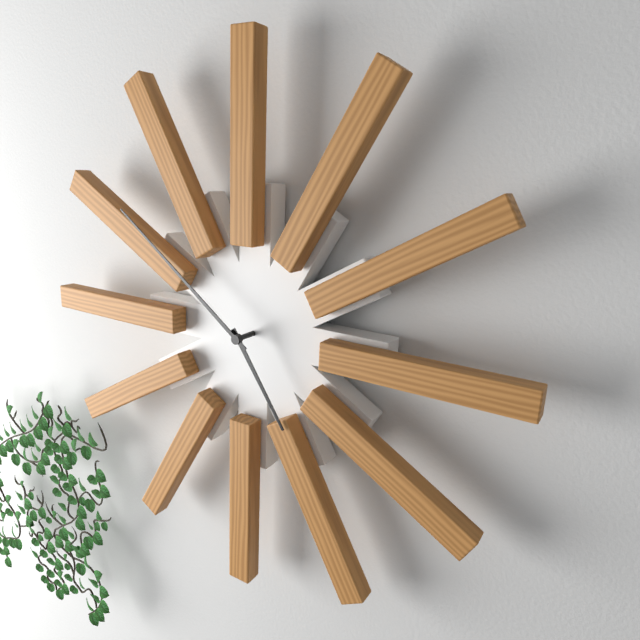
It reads 4h51
